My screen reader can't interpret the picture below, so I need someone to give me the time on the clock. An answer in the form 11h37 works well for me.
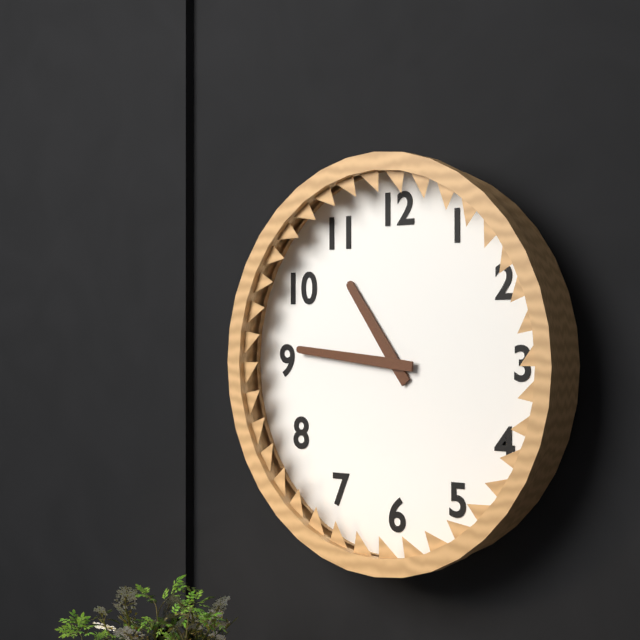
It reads 10h46
